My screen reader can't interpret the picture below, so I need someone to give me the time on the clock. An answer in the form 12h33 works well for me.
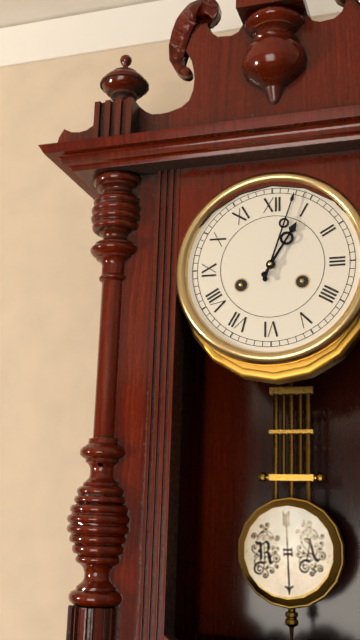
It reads 1h03
